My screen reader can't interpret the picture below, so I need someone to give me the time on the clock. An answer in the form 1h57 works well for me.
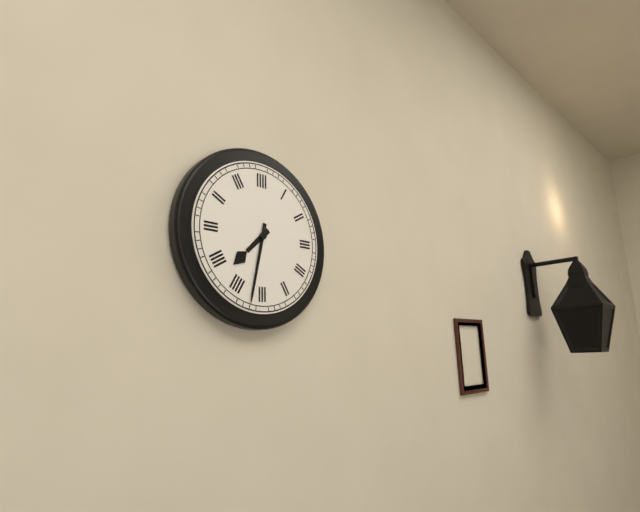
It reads 7h32
